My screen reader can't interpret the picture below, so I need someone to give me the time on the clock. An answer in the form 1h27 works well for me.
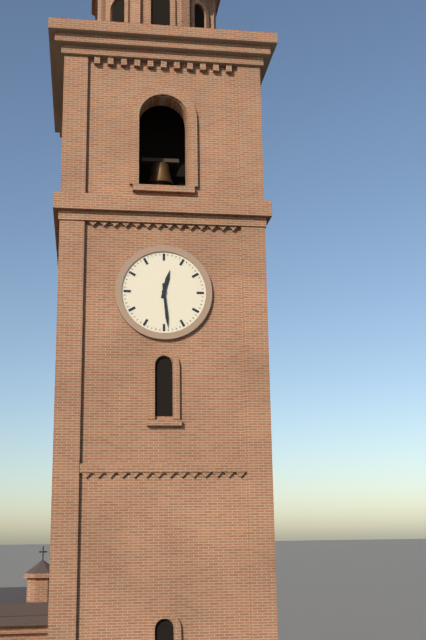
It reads 12h29
